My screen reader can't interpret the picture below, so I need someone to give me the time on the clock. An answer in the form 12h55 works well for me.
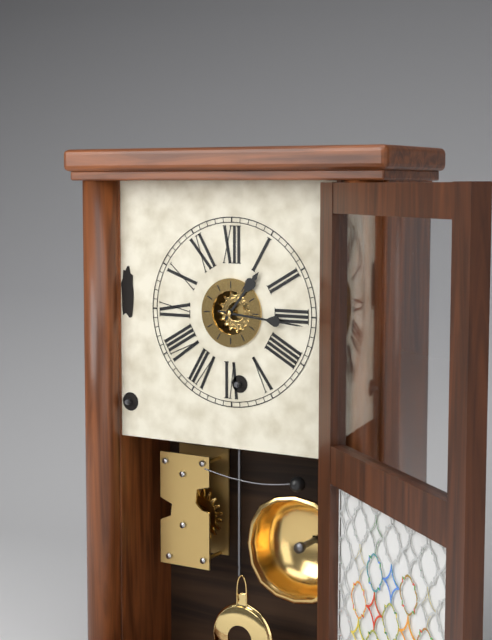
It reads 1h16
